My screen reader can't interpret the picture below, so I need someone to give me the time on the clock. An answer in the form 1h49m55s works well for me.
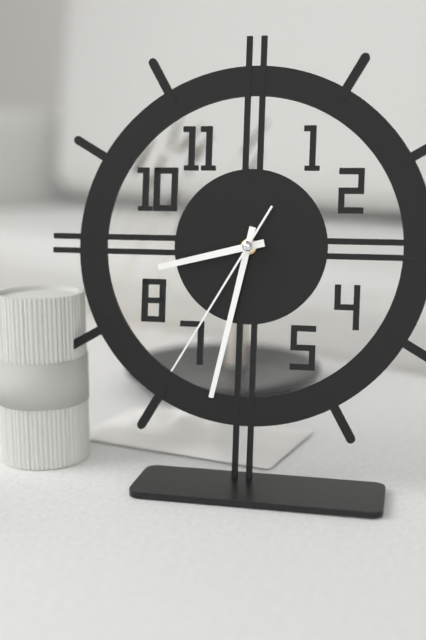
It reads 8h32m35s
